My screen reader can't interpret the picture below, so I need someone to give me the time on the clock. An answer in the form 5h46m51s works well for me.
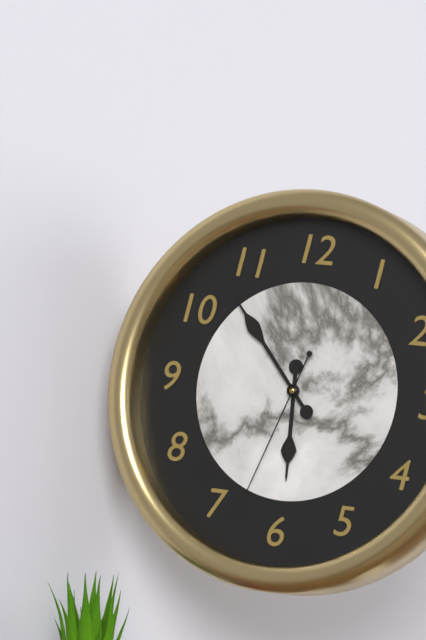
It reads 5h53m33s
